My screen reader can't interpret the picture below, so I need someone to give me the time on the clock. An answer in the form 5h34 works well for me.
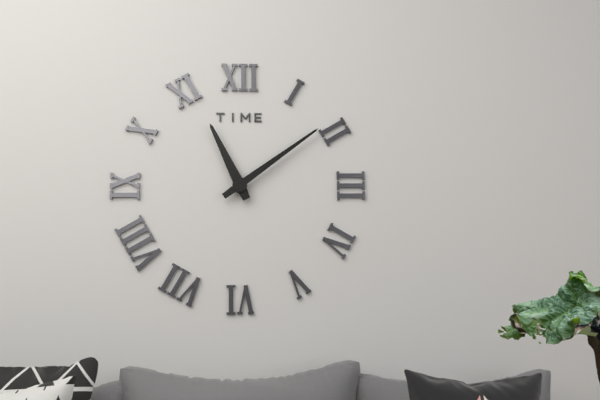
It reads 11h09
